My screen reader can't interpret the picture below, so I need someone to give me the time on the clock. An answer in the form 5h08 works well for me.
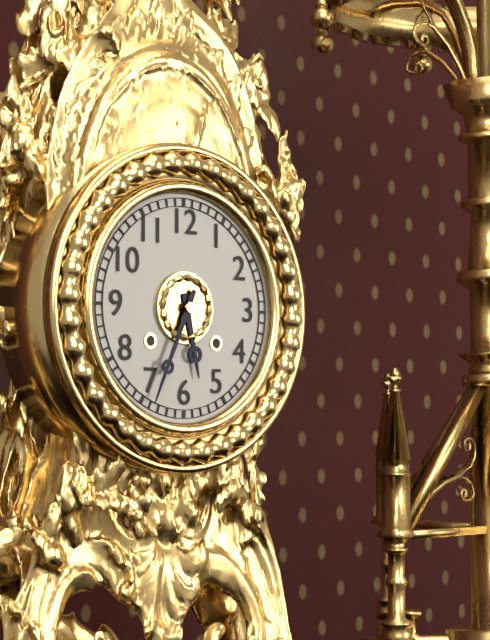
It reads 5h34
